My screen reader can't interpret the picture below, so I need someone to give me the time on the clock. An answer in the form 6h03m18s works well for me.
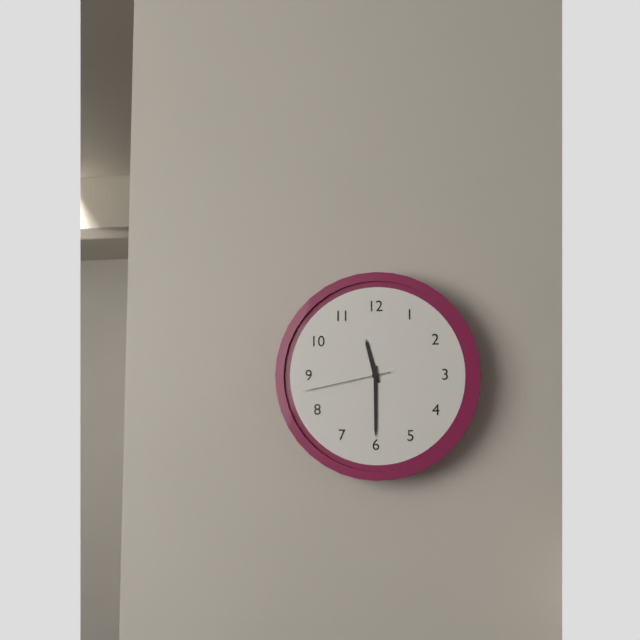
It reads 11h30m43s
